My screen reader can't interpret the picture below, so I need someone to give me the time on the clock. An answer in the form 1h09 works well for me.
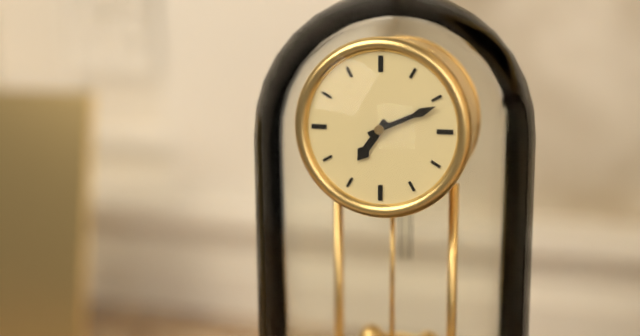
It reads 7h11
